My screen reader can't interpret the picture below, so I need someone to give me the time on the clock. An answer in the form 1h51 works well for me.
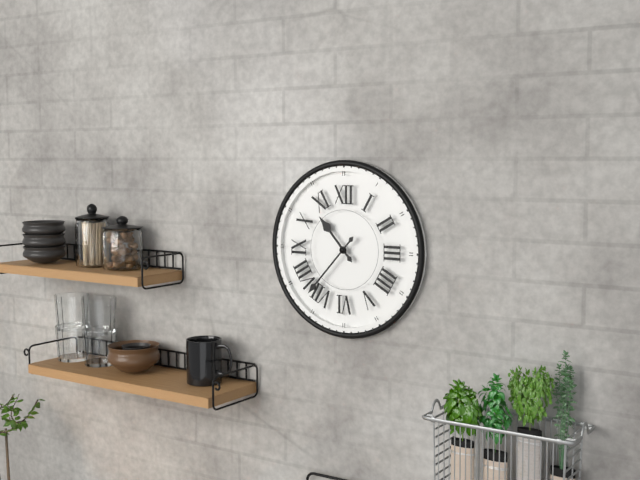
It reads 10h37
